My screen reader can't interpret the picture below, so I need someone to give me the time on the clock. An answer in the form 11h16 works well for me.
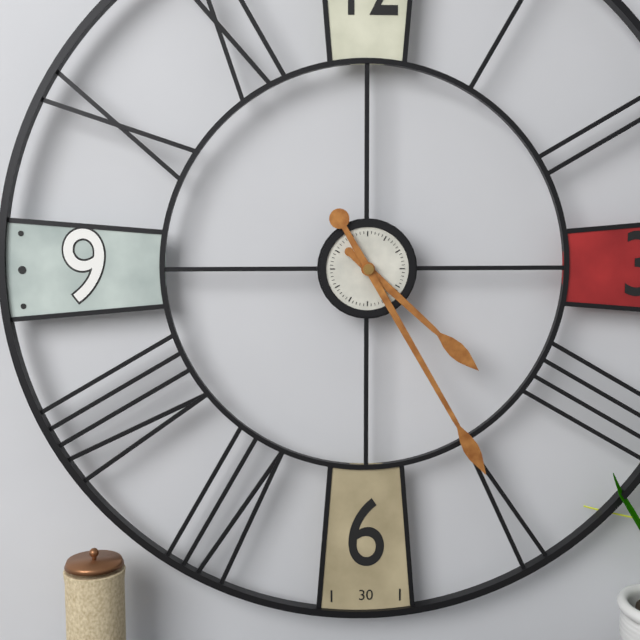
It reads 4h25
